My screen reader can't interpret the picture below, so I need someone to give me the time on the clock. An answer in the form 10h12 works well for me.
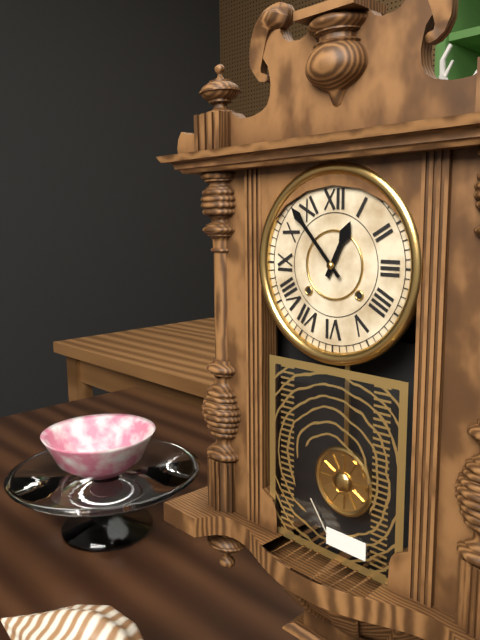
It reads 12h53
